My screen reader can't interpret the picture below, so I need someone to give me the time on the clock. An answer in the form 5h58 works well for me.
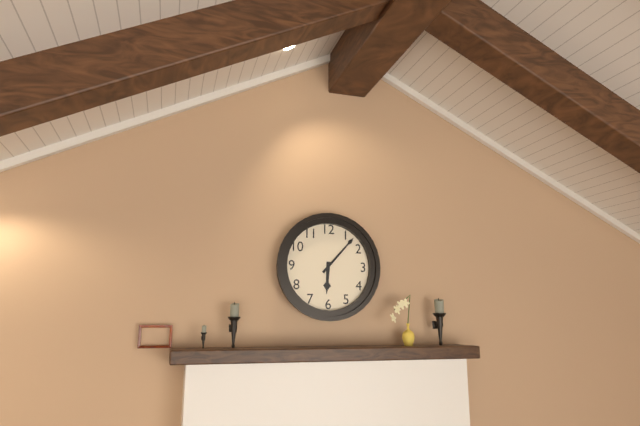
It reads 6h07
